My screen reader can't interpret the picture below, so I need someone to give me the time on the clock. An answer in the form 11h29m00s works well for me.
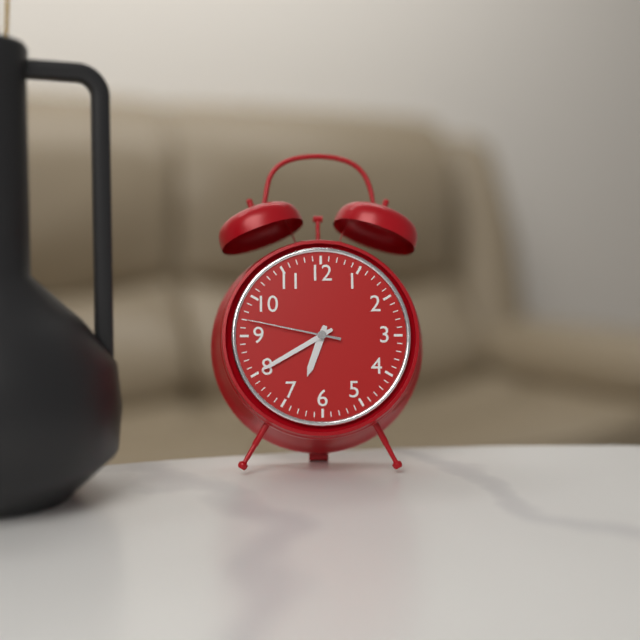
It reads 6h40m47s
